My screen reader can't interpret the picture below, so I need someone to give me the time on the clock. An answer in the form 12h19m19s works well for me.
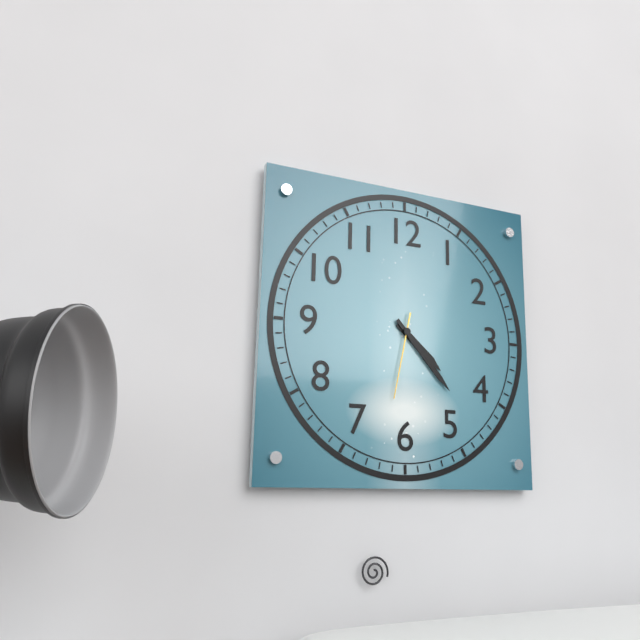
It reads 4h23m32s
